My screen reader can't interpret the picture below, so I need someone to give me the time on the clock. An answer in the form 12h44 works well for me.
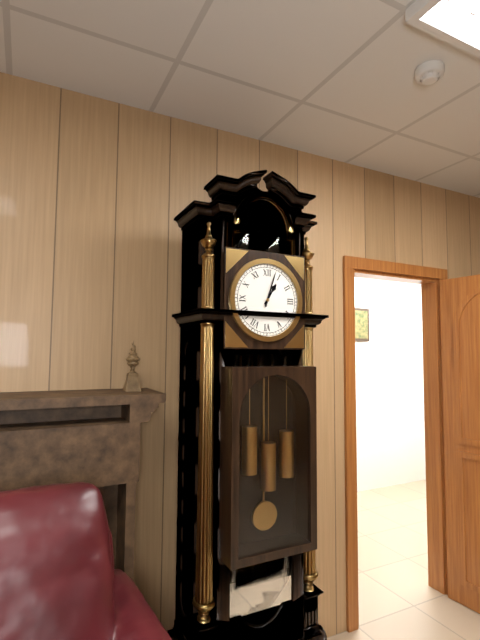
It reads 1h03
